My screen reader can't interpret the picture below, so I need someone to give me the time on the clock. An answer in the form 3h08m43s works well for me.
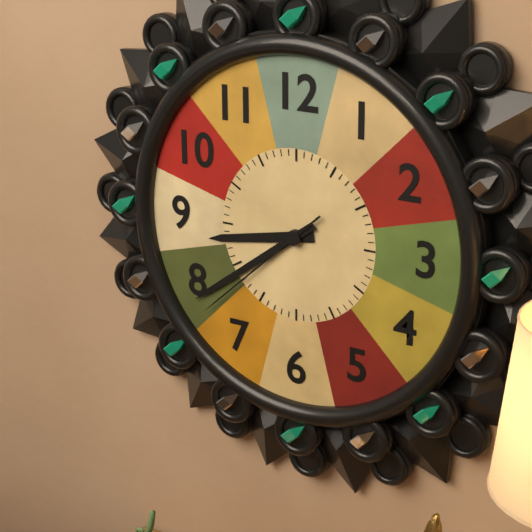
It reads 8h39m38s
